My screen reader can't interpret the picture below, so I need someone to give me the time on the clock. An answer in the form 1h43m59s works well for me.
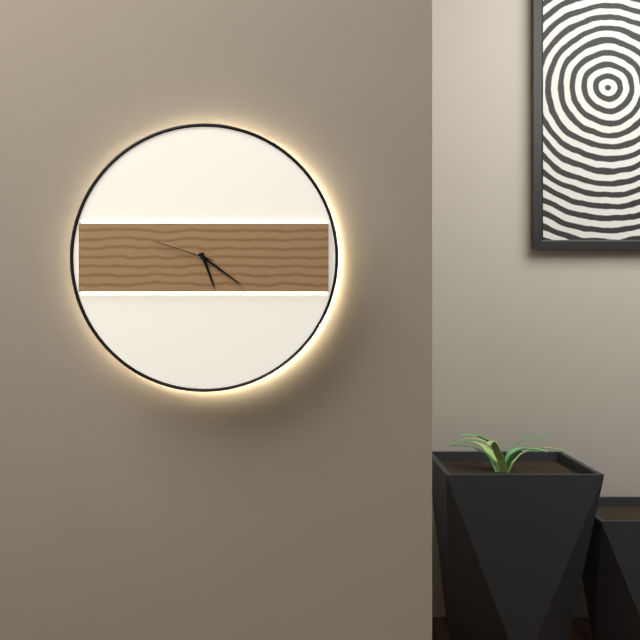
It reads 5h21m48s
